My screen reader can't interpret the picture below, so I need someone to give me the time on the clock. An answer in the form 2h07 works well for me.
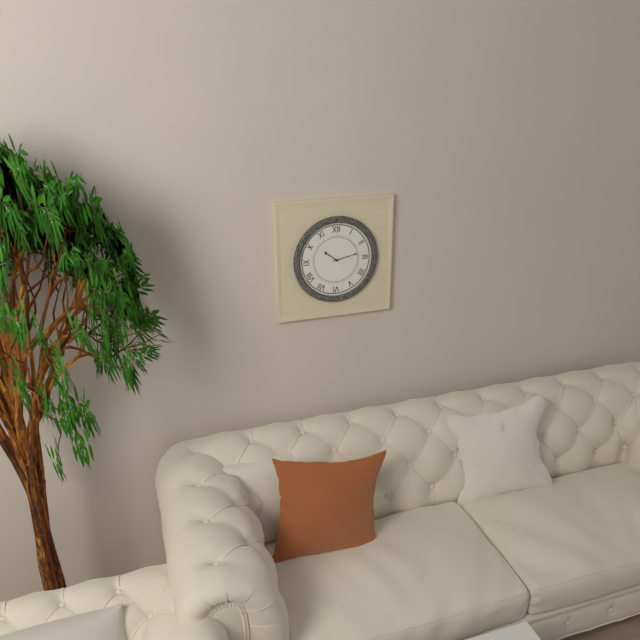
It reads 10h13
